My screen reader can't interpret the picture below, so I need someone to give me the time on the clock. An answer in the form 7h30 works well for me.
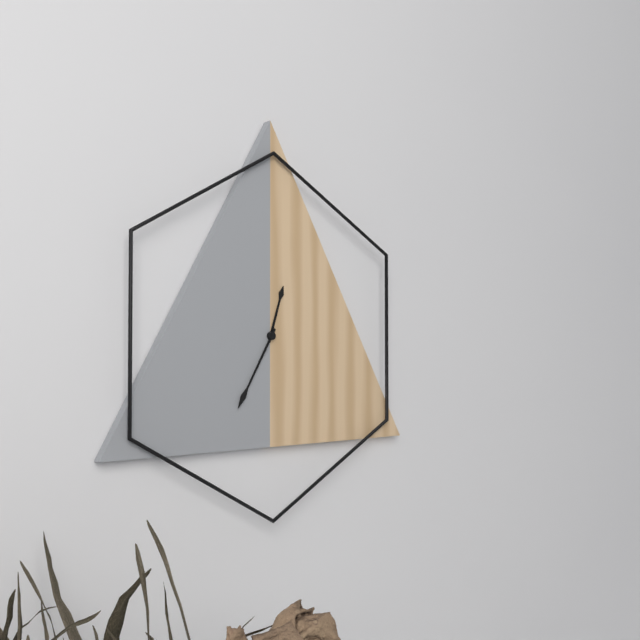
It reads 12h35
